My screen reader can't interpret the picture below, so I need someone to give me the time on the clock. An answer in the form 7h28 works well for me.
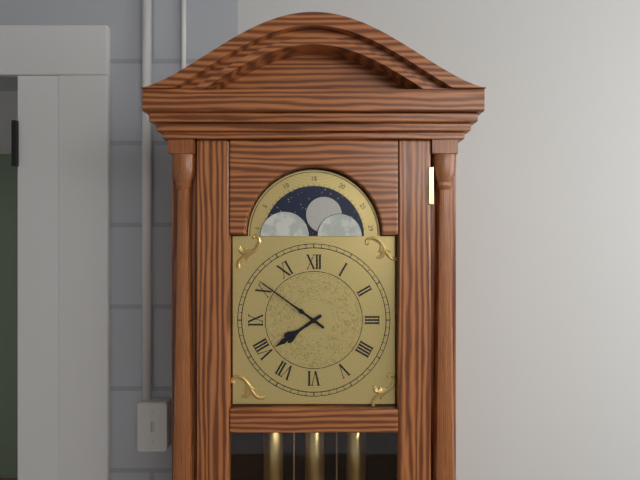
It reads 7h51
